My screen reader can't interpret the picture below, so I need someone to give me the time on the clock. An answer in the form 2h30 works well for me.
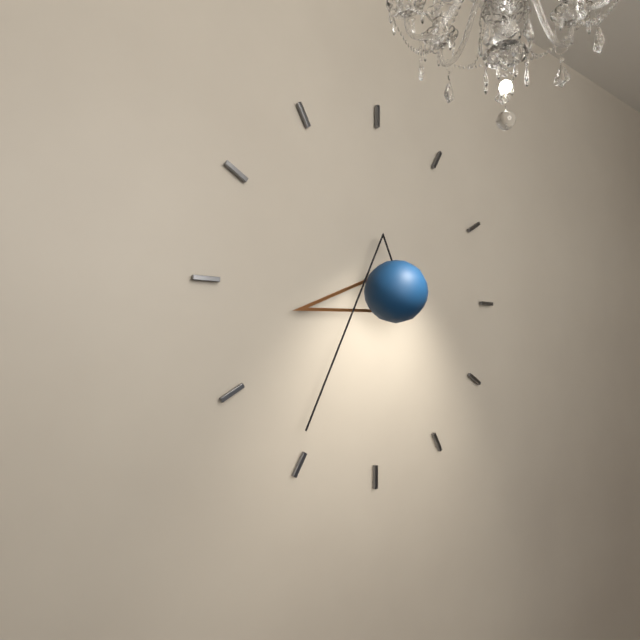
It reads 8h36
